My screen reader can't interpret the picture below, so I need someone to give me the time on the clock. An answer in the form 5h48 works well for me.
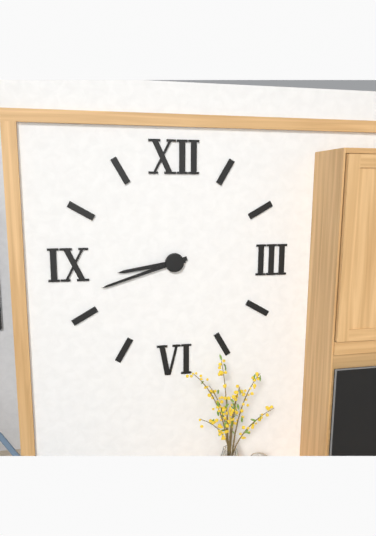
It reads 8h42
